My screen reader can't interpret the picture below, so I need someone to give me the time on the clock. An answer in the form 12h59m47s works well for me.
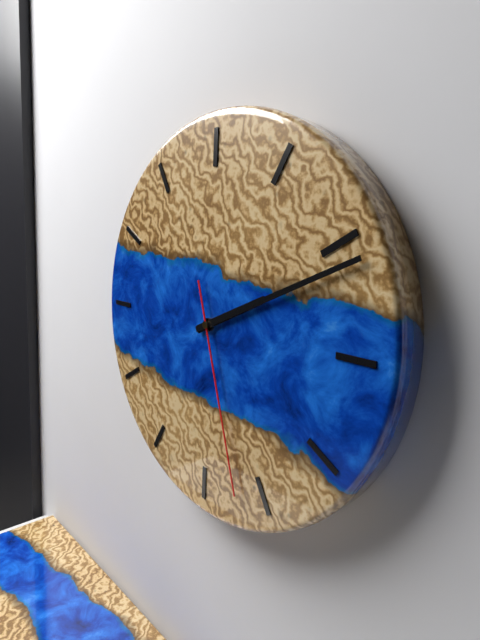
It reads 2h11m27s
